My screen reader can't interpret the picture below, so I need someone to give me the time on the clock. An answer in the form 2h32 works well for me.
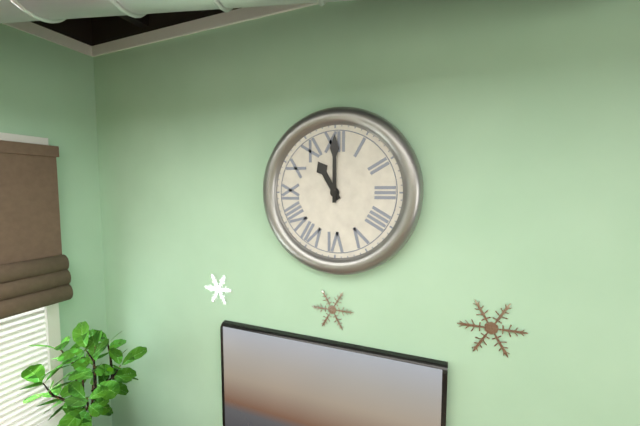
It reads 11h00
